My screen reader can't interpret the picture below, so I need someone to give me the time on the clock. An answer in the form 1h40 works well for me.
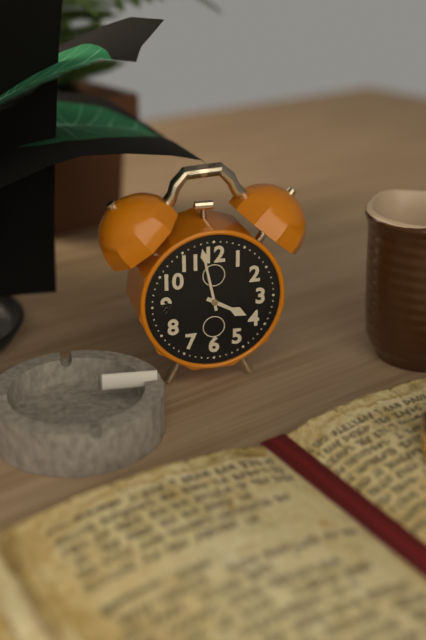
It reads 3h58
